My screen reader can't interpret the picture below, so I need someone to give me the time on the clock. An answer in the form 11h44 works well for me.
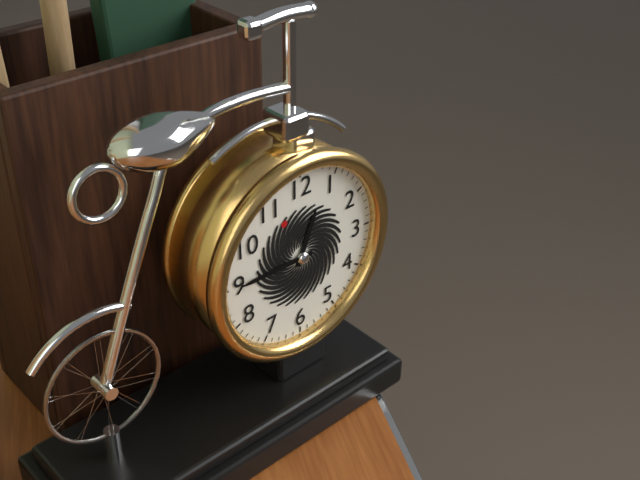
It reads 12h45
